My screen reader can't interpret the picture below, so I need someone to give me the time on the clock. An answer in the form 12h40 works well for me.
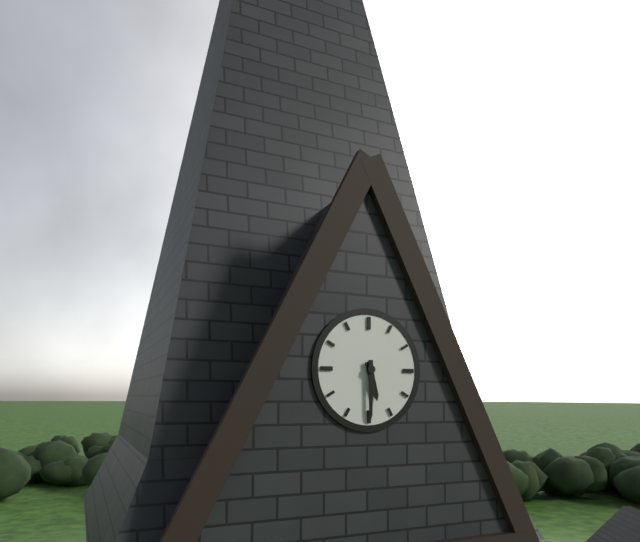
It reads 5h30
